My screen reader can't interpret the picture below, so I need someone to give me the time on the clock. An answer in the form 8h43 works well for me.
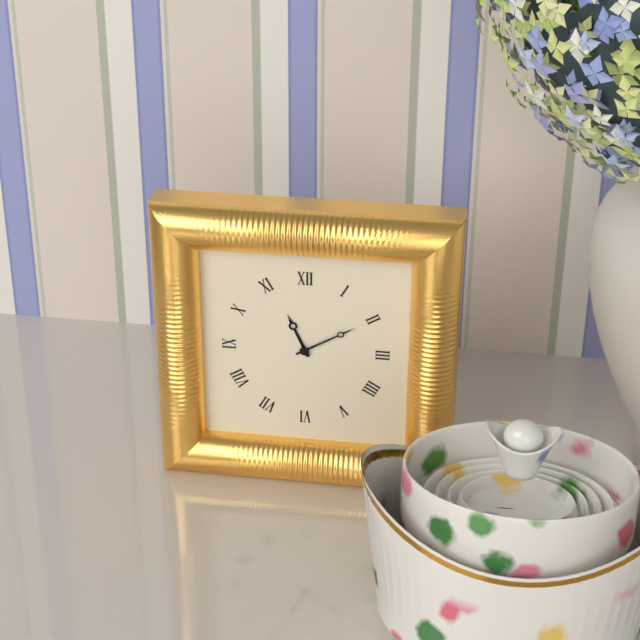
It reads 11h10
